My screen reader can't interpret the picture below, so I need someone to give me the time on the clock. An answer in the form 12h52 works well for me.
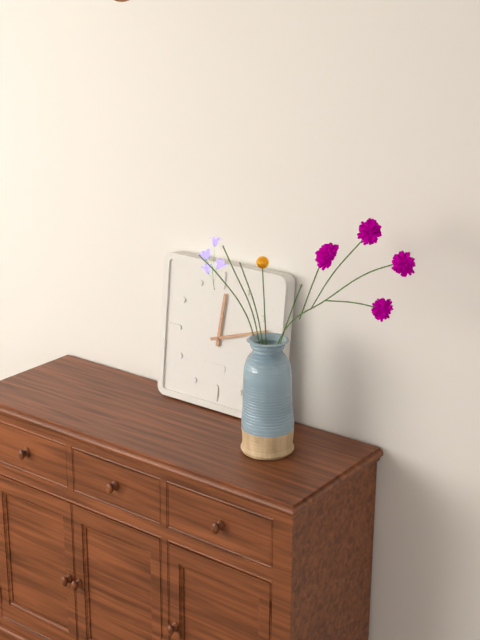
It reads 12h12
